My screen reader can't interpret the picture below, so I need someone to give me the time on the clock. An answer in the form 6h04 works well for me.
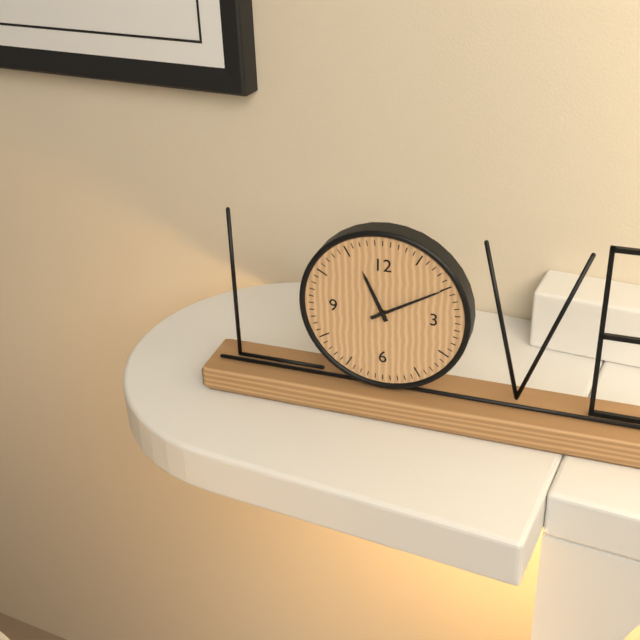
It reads 11h10
